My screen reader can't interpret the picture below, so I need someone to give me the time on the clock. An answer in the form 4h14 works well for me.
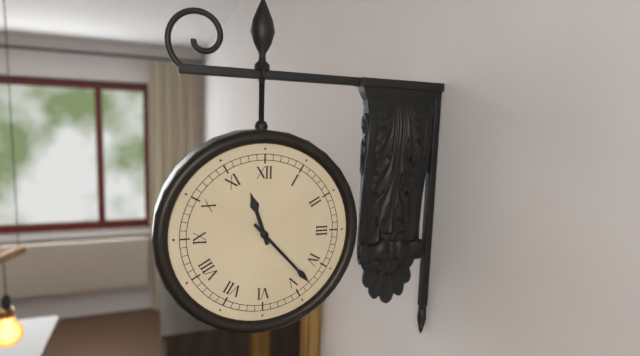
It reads 11h23
